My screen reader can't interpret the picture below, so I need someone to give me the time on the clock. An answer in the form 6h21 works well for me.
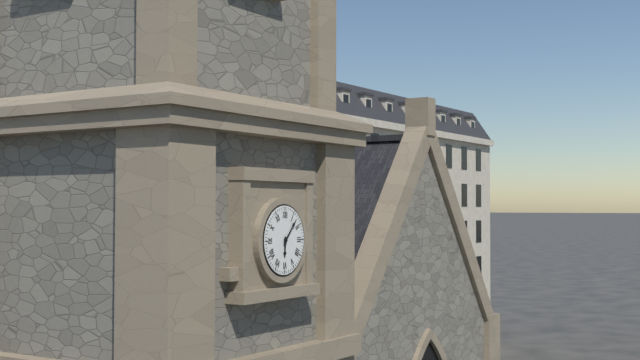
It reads 6h07
